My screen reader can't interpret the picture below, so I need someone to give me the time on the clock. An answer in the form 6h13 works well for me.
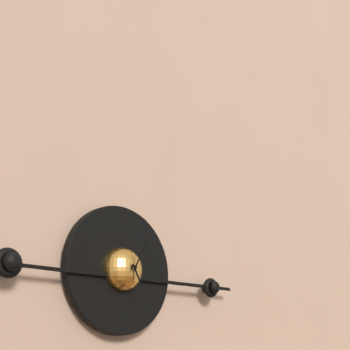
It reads 5h05
